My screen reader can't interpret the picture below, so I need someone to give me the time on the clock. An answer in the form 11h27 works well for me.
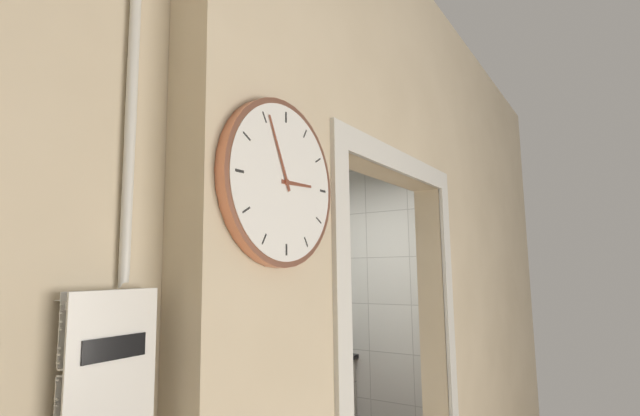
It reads 2h56
